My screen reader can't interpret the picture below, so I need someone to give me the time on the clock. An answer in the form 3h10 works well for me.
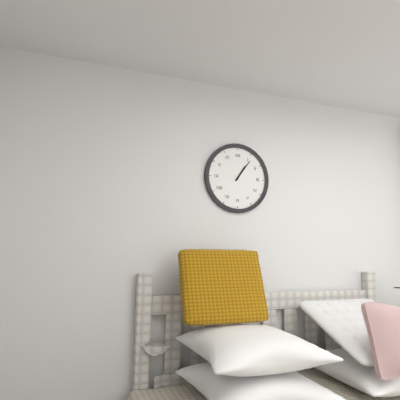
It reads 1h06
